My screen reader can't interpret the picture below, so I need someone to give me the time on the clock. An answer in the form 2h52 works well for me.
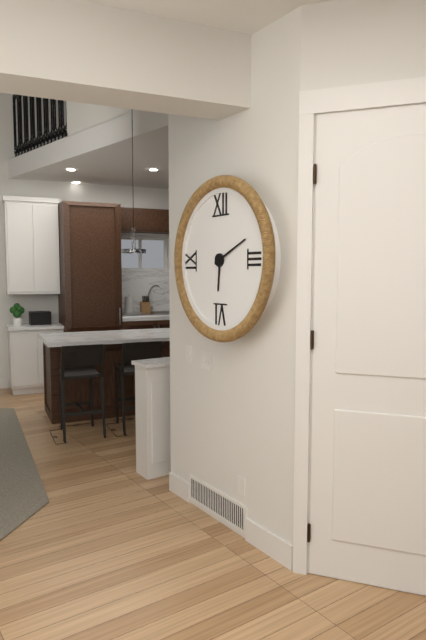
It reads 6h11
